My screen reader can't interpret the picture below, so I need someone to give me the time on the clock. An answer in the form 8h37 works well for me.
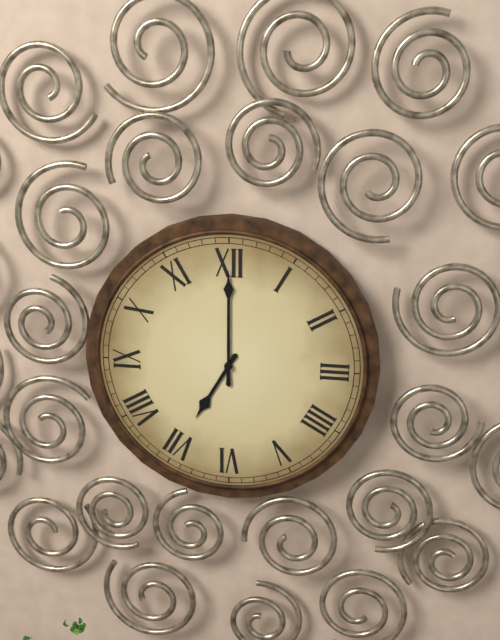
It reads 7h00
